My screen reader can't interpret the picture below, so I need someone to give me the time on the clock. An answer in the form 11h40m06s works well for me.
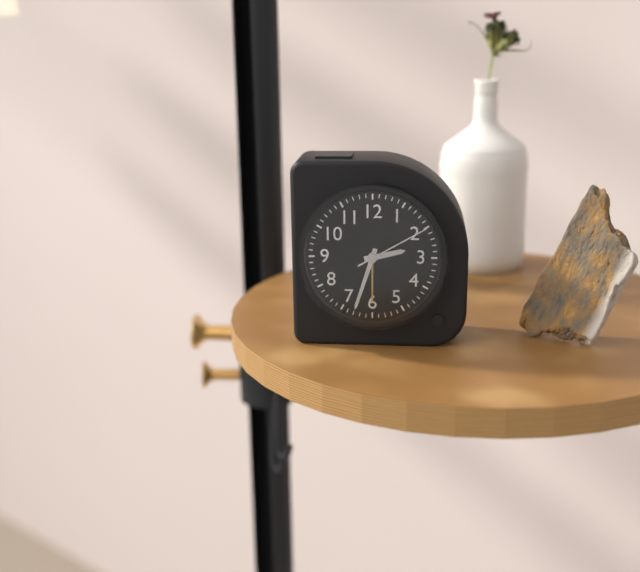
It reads 2h33m10s
